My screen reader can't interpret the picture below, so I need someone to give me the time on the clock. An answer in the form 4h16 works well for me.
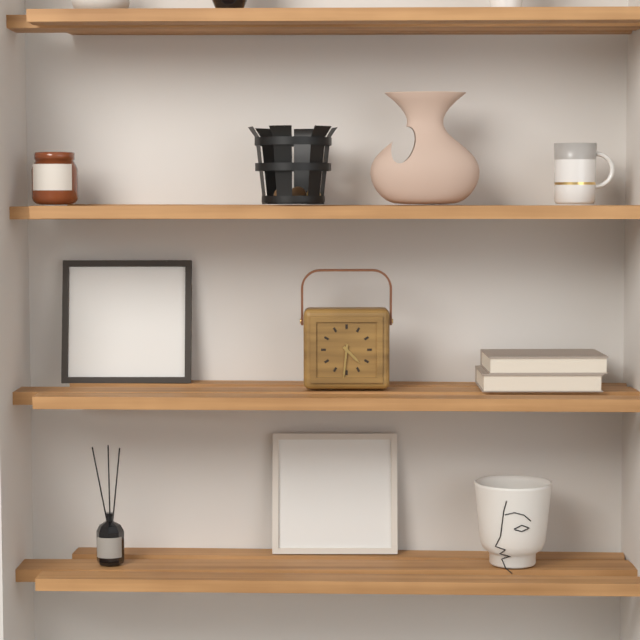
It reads 4h31
